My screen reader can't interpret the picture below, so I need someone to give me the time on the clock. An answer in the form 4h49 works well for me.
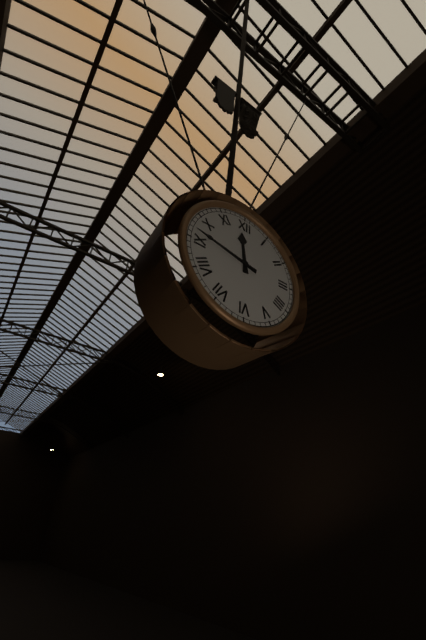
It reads 11h47
